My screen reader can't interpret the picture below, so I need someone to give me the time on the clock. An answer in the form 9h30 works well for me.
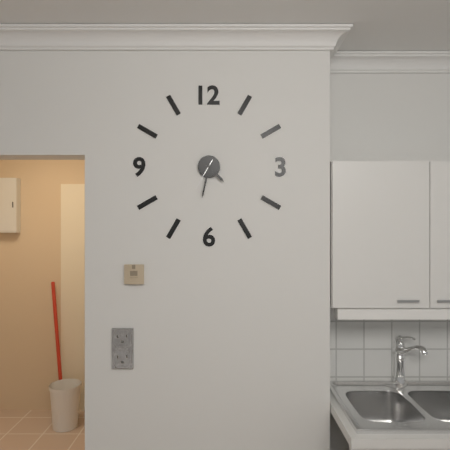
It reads 4h32
